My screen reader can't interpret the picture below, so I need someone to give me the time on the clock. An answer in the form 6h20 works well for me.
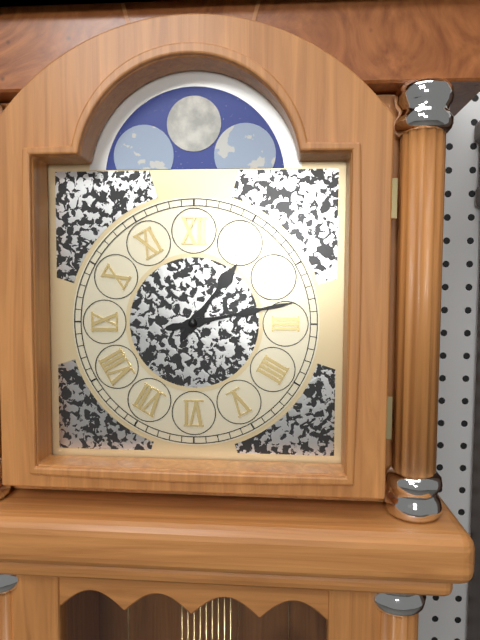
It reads 1h13
